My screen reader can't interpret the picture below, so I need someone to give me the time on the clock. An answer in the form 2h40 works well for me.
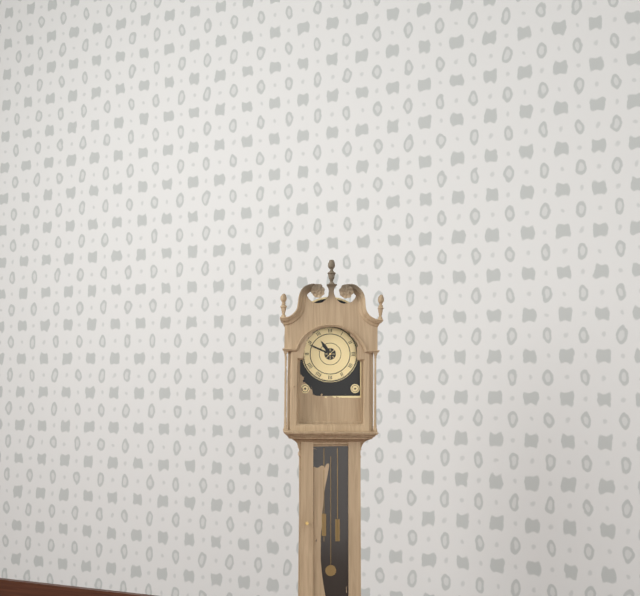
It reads 10h49
